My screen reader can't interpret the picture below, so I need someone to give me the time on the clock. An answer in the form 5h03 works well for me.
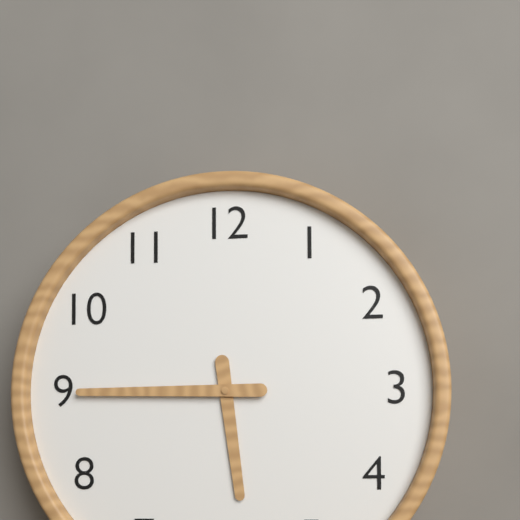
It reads 5h45
